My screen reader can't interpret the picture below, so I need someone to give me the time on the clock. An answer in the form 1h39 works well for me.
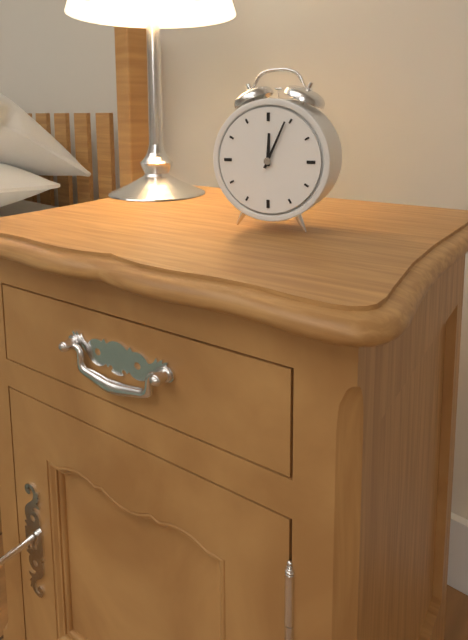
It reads 12h04
